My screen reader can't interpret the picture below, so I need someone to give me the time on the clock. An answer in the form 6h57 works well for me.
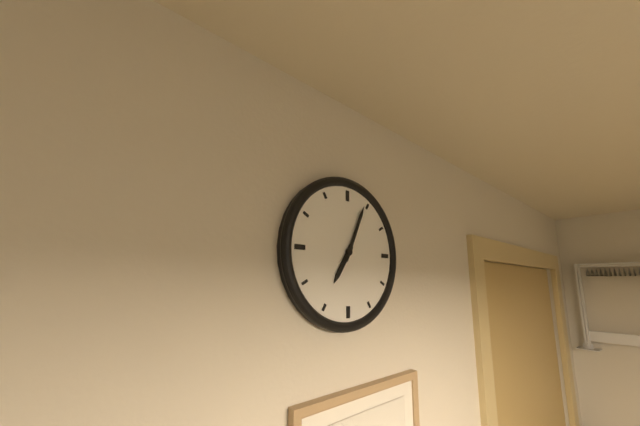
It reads 7h04
